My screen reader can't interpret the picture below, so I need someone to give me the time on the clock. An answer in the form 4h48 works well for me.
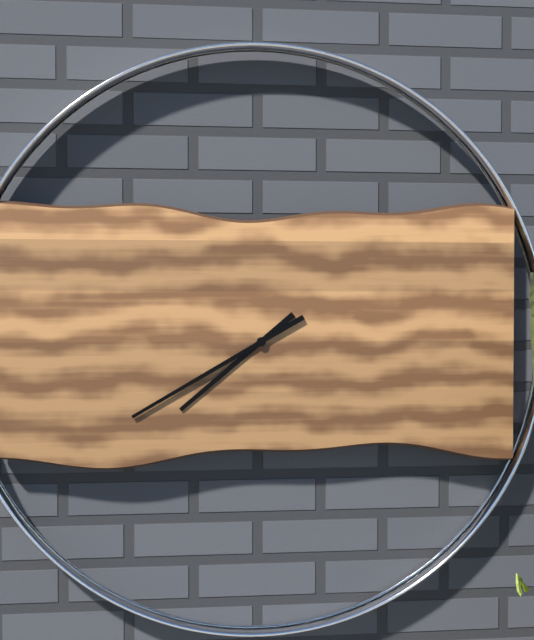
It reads 7h40
